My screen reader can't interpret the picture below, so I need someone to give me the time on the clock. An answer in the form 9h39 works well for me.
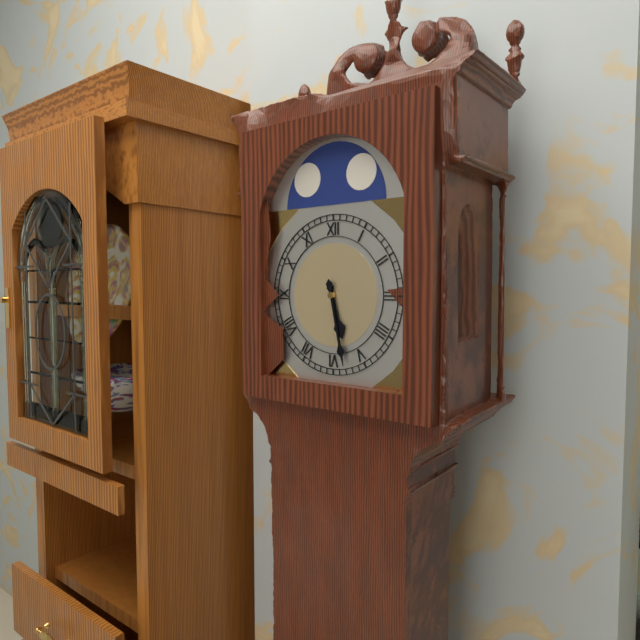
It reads 5h28
